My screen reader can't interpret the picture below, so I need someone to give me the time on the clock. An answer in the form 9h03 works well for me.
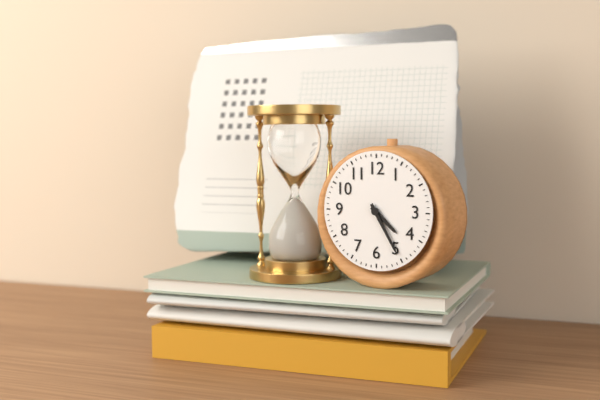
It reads 4h25
